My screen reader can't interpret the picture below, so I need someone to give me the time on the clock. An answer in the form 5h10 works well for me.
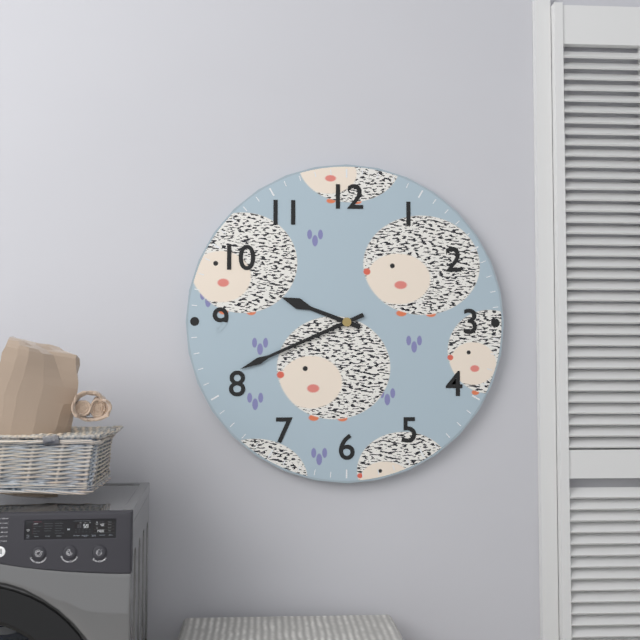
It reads 9h41
